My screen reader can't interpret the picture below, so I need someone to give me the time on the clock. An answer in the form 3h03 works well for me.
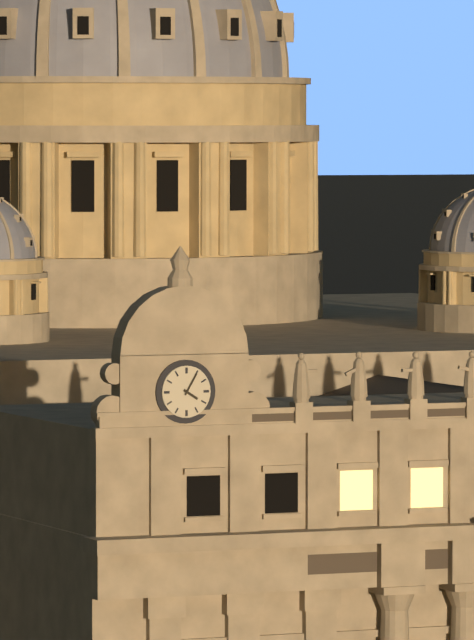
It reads 4h05
